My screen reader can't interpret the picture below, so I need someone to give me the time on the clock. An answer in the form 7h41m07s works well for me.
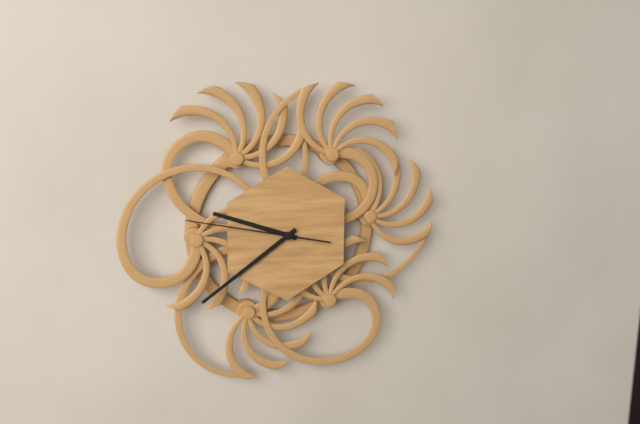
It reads 9h39m47s
